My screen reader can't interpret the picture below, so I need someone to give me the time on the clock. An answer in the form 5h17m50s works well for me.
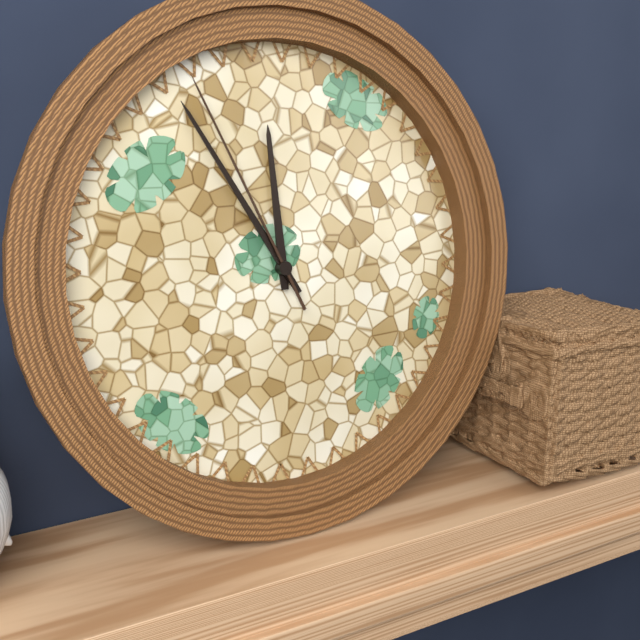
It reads 11h55m56s
